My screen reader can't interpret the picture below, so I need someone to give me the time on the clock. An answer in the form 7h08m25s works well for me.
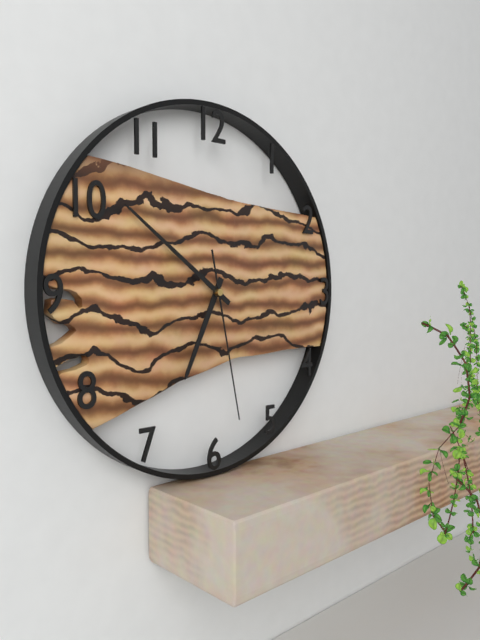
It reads 6h51m28s
